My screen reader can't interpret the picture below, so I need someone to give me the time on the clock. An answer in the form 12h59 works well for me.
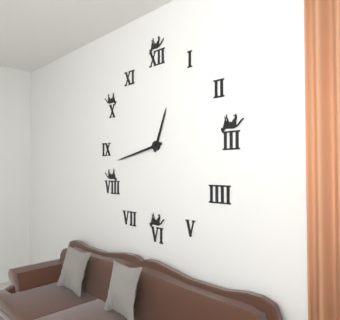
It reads 12h43
